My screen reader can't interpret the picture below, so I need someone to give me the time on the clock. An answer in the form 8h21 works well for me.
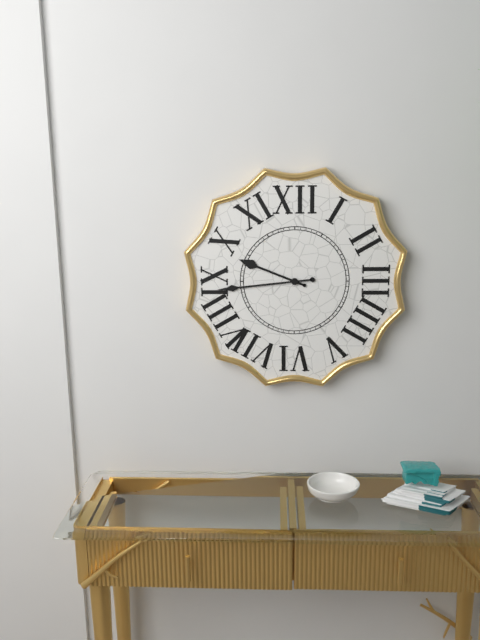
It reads 9h44
